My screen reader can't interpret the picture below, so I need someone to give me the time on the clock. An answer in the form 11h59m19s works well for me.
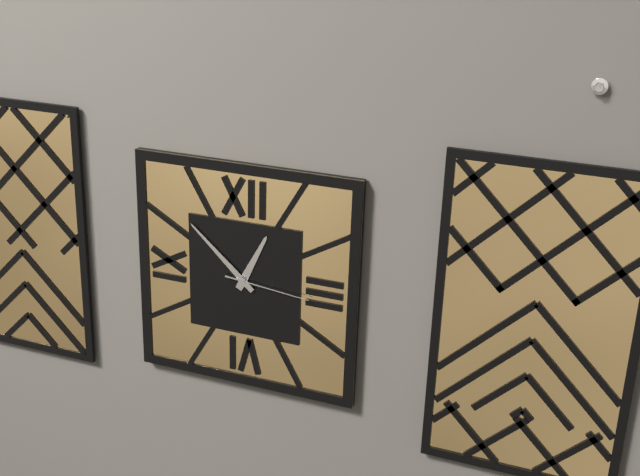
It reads 12h52m16s
